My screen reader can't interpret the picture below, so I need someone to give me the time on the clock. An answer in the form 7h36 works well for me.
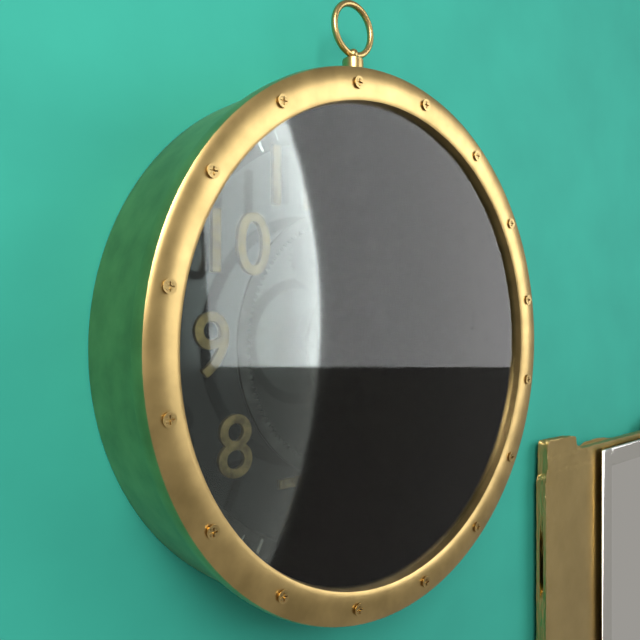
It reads 1h29
